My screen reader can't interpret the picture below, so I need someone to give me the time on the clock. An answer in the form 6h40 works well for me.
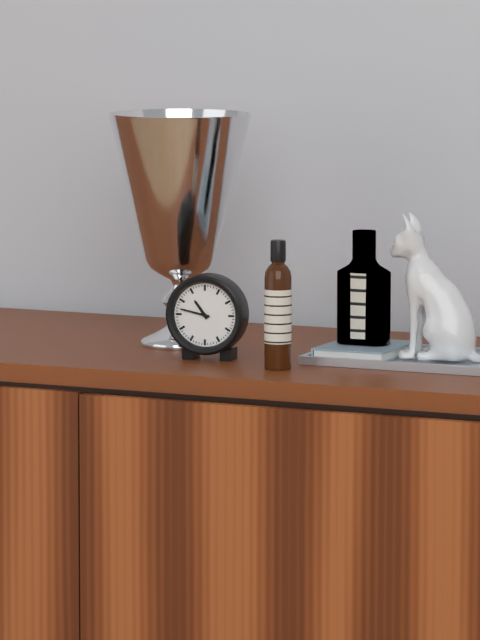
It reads 10h47
